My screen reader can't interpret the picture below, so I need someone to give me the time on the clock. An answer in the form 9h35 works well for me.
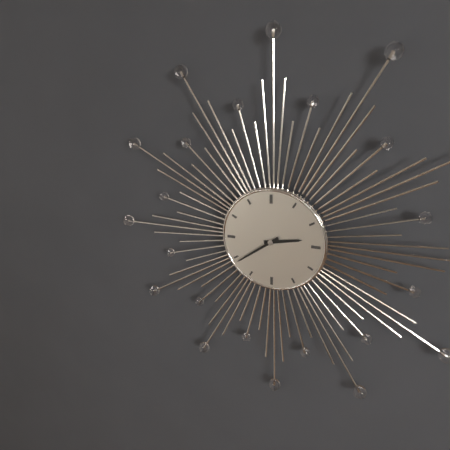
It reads 2h39
